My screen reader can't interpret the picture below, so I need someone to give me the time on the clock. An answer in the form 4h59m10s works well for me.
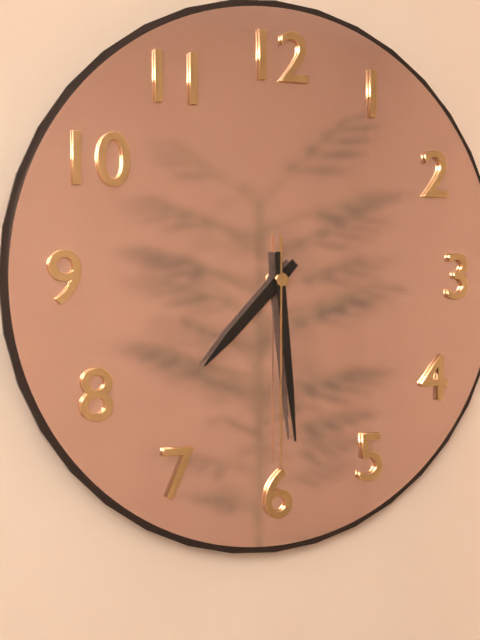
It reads 7h29m30s
